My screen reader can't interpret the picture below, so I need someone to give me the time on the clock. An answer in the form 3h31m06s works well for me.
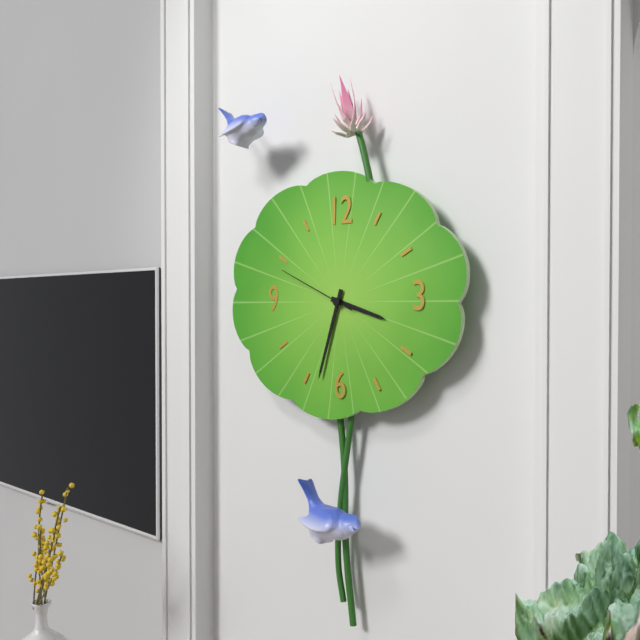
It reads 3h33m49s
